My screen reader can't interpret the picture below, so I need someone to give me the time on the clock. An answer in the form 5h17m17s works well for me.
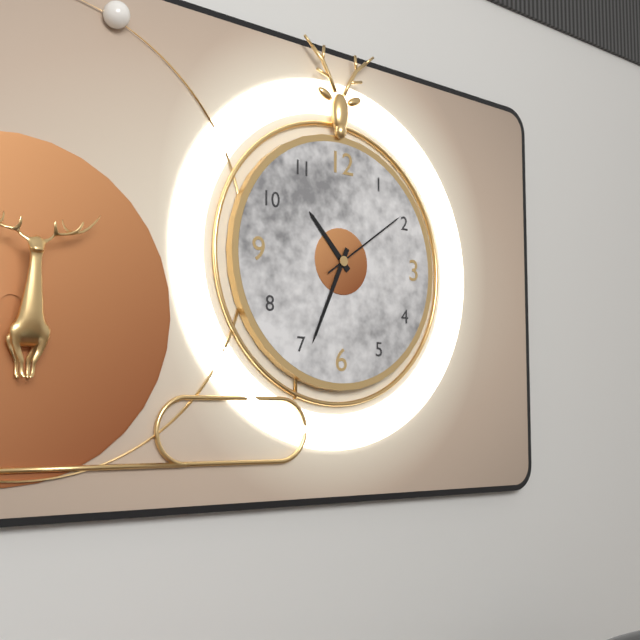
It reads 10h34m09s
